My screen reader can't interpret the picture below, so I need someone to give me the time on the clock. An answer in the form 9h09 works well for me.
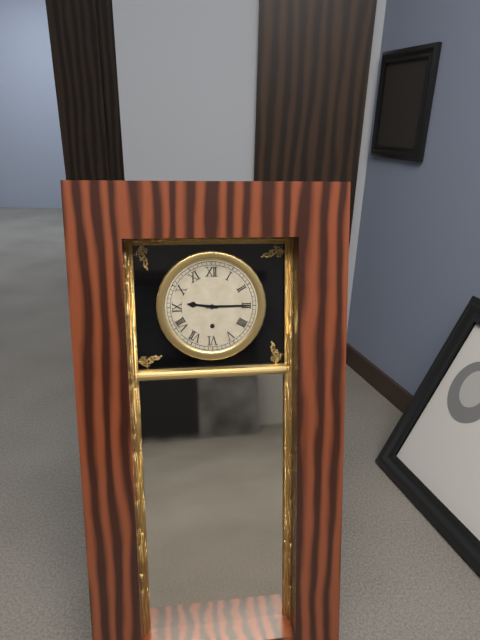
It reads 9h15
